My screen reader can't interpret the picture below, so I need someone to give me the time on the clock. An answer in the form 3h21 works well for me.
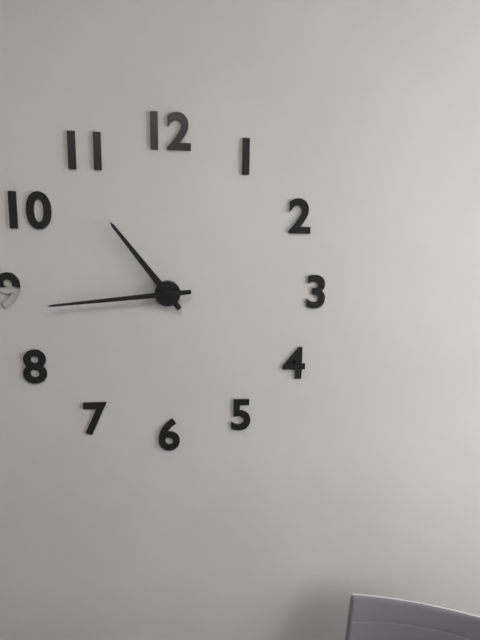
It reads 10h44
